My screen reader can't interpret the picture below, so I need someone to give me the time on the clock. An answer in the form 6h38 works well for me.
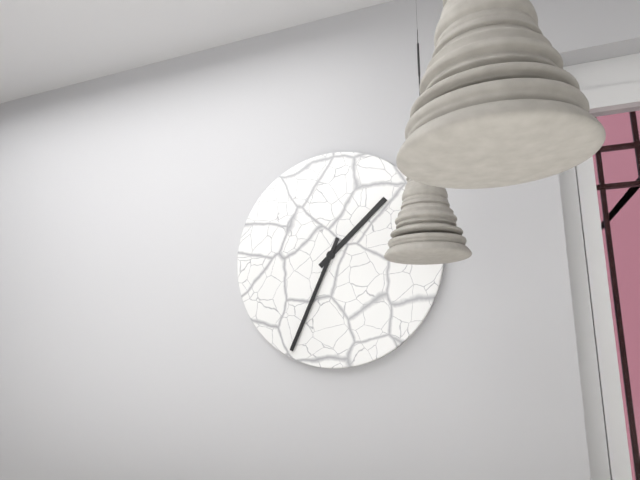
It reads 1h34
